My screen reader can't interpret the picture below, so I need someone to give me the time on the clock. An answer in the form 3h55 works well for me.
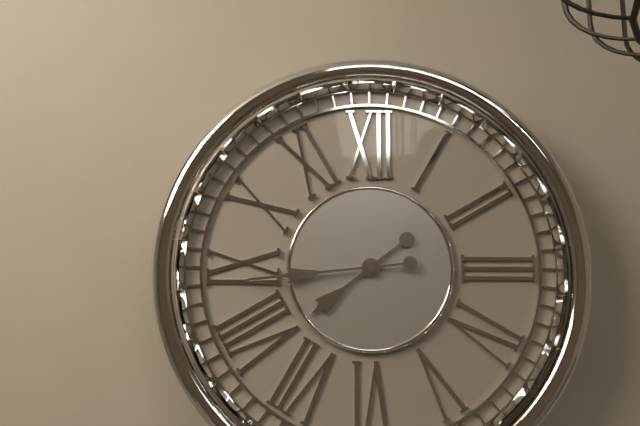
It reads 7h44
